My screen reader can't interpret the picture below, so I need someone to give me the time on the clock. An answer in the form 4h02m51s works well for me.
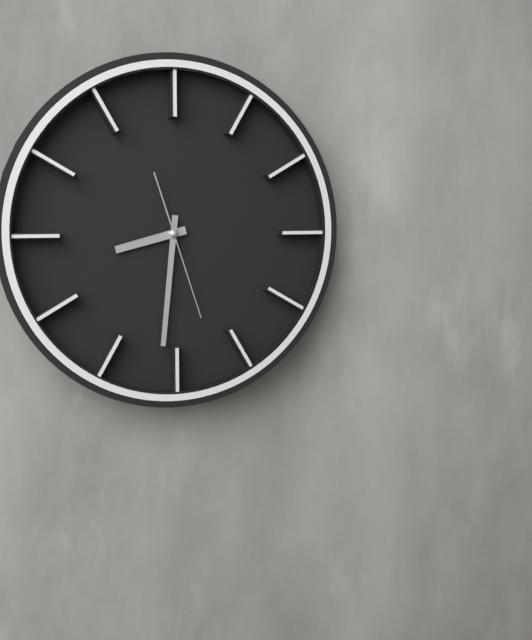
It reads 8h31m27s
